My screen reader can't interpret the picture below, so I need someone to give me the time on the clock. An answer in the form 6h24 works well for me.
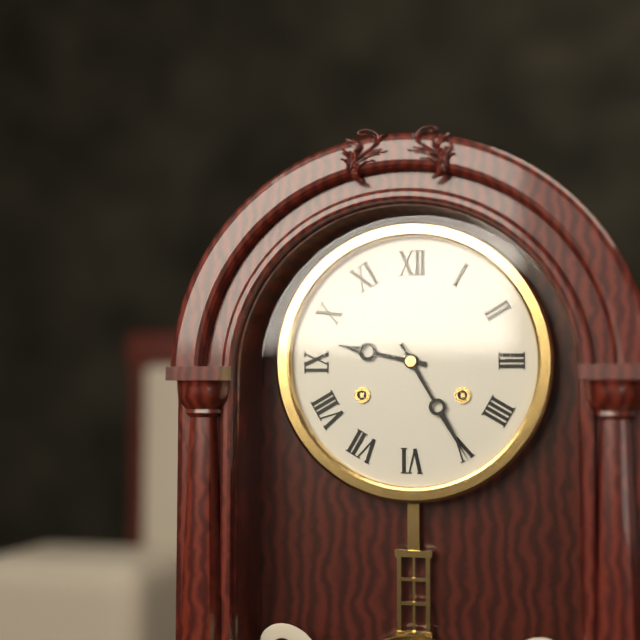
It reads 9h25
